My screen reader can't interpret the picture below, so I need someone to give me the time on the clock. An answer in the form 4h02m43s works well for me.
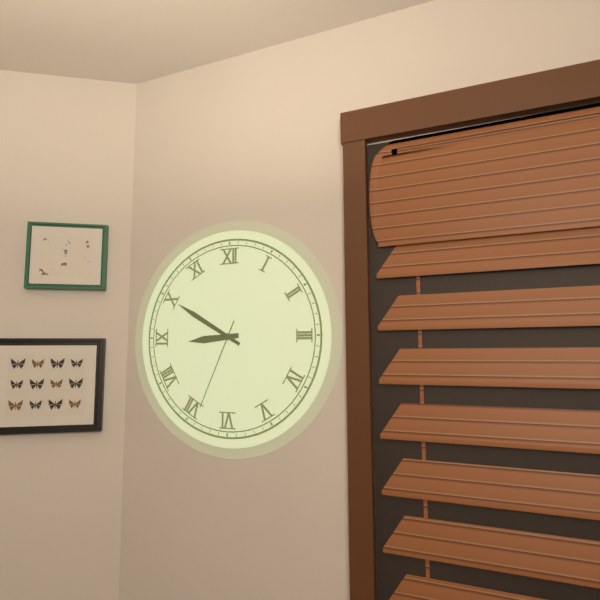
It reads 8h50m34s
